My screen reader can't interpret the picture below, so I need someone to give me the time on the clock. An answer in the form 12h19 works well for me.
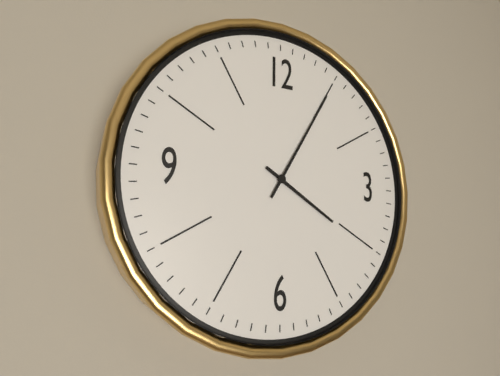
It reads 4h05
